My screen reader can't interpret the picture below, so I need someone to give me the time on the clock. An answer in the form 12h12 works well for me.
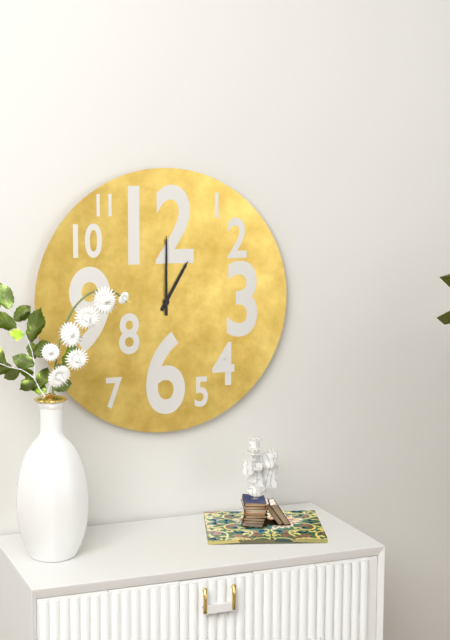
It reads 1h00
